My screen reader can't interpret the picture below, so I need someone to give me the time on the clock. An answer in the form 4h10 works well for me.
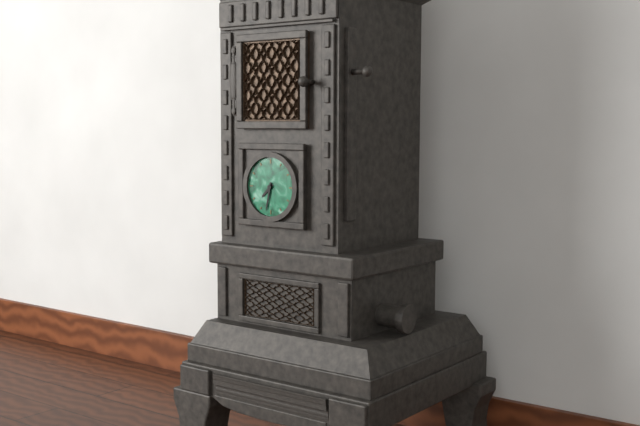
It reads 7h32
